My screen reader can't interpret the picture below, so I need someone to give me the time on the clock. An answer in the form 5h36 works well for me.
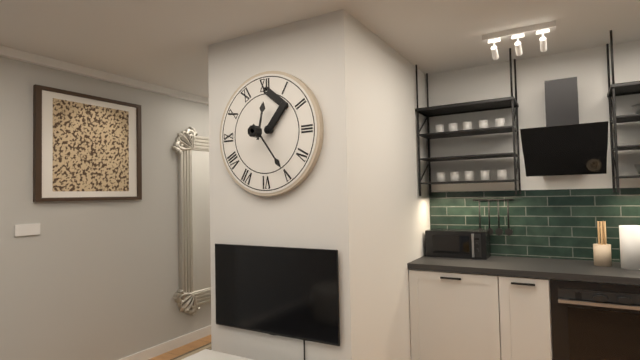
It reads 12h24
